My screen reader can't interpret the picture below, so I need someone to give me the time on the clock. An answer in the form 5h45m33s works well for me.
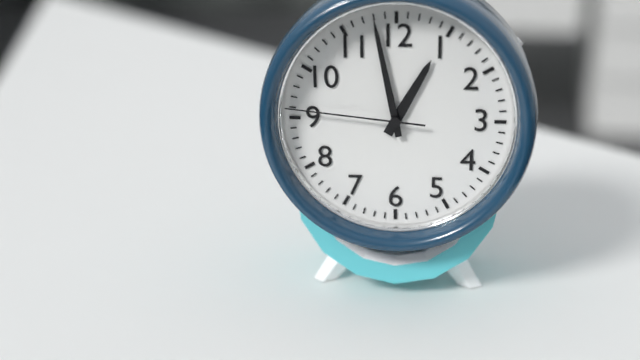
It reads 12h58m46s
